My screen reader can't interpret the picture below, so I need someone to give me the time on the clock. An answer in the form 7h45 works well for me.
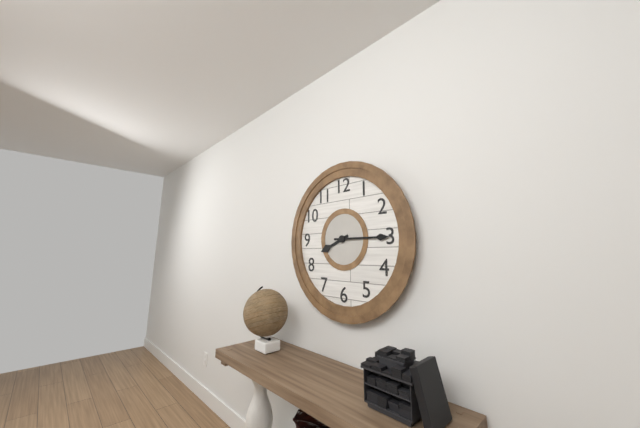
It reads 8h15
